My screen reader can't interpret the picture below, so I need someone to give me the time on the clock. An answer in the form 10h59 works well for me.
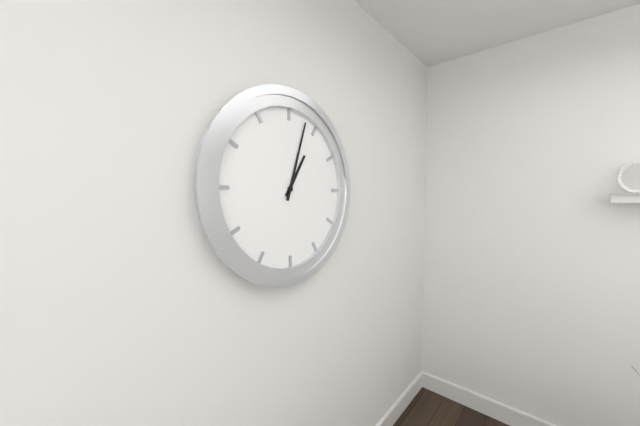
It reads 1h03
